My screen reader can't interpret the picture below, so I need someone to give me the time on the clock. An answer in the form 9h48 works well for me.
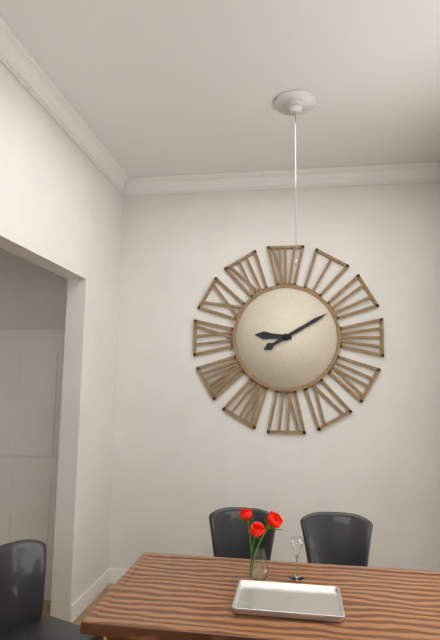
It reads 9h10
